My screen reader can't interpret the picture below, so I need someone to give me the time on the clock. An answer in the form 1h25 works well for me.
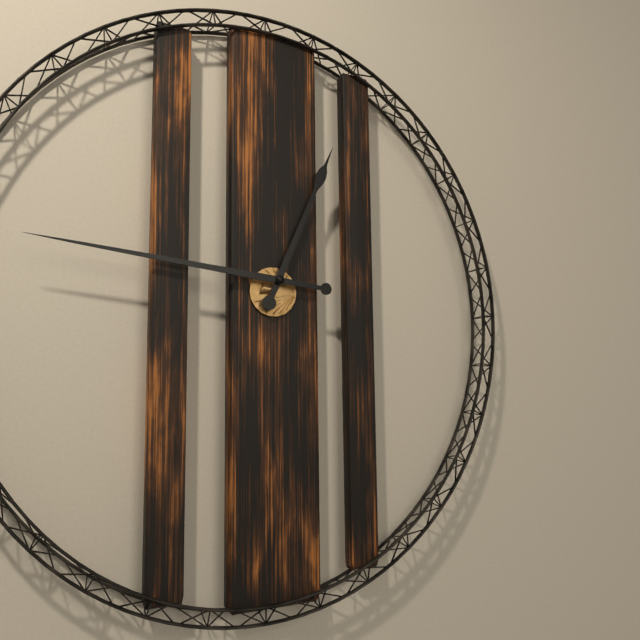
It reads 12h46
